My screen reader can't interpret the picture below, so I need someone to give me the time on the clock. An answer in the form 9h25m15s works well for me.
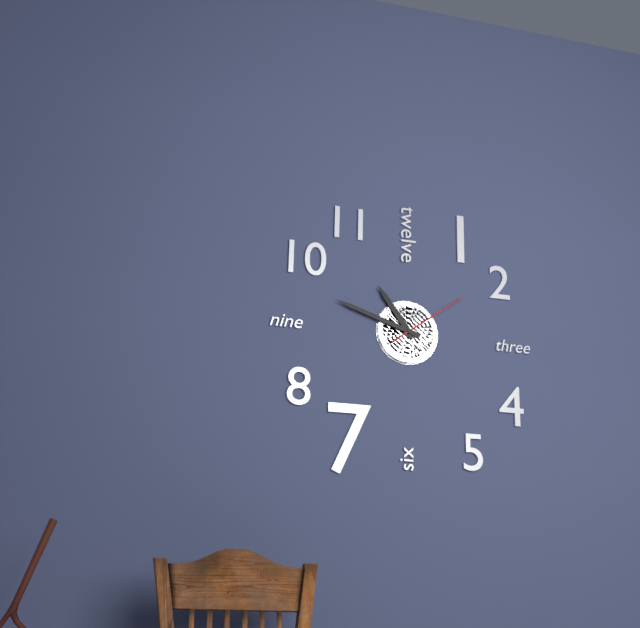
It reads 10h48m09s
